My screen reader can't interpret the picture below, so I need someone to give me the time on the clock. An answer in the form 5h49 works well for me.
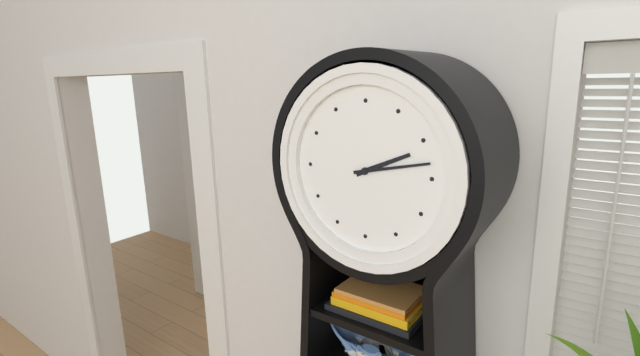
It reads 2h13
